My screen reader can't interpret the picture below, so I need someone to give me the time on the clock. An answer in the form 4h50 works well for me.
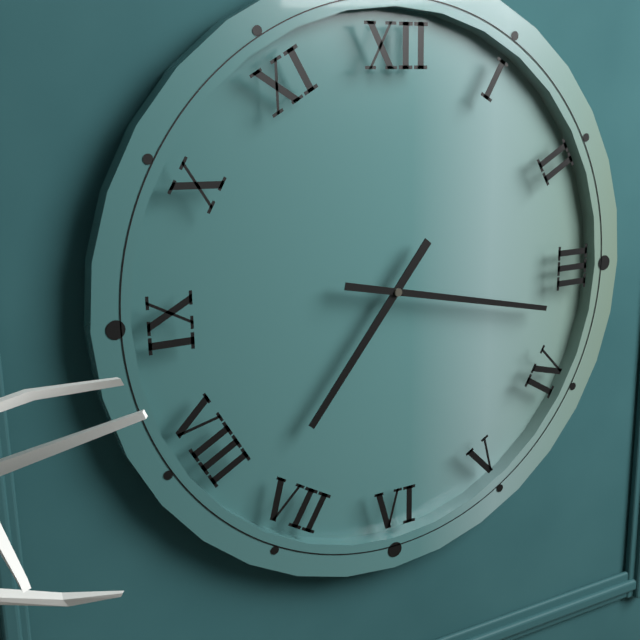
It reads 7h17
